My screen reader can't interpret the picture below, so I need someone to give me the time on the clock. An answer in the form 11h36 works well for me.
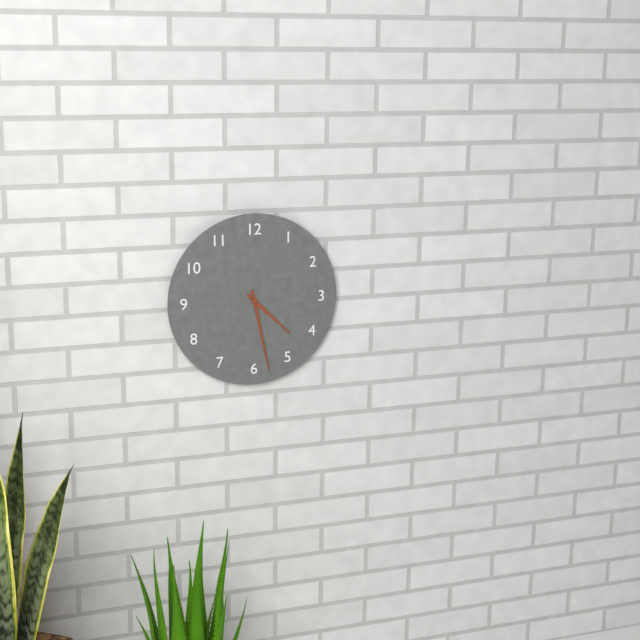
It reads 4h28
